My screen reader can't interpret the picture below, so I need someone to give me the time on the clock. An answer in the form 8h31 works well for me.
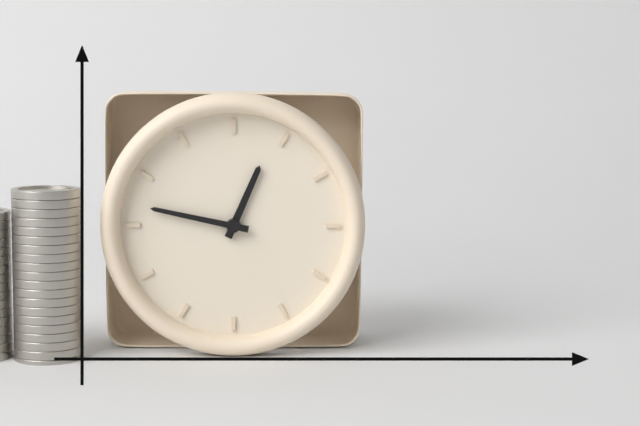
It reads 12h47
